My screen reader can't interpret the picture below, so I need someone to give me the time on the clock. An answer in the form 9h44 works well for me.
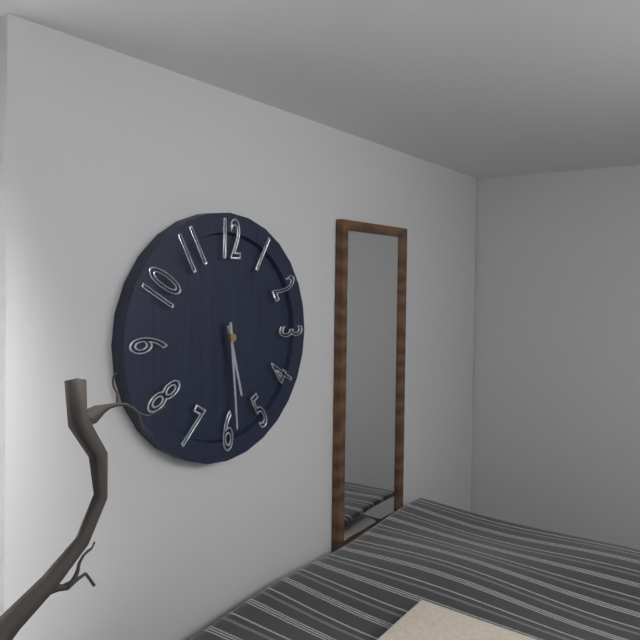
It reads 5h29
